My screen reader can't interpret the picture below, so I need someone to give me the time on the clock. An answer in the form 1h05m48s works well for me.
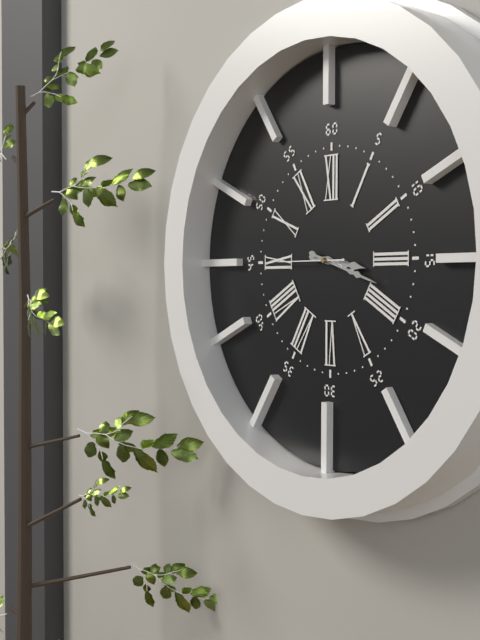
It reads 3h18m45s
